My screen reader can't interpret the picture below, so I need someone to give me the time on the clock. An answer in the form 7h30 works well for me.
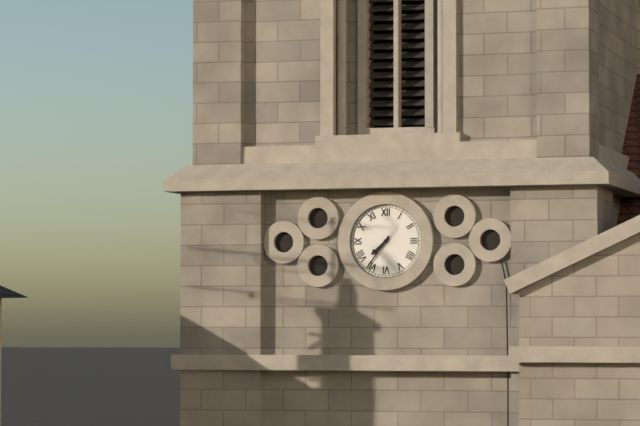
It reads 7h36
